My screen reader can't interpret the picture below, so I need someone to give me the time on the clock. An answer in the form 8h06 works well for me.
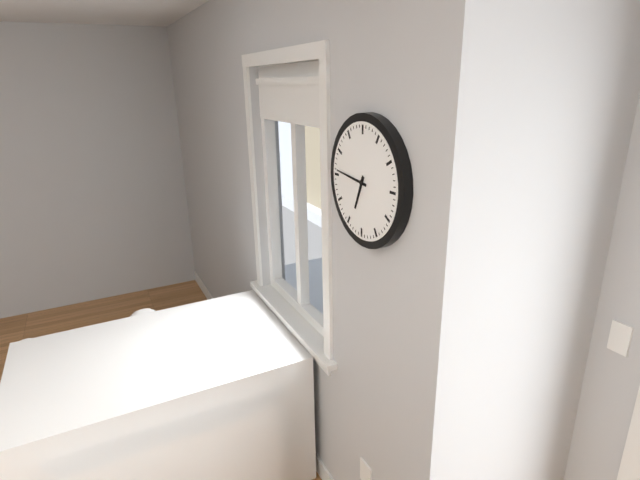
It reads 6h46
